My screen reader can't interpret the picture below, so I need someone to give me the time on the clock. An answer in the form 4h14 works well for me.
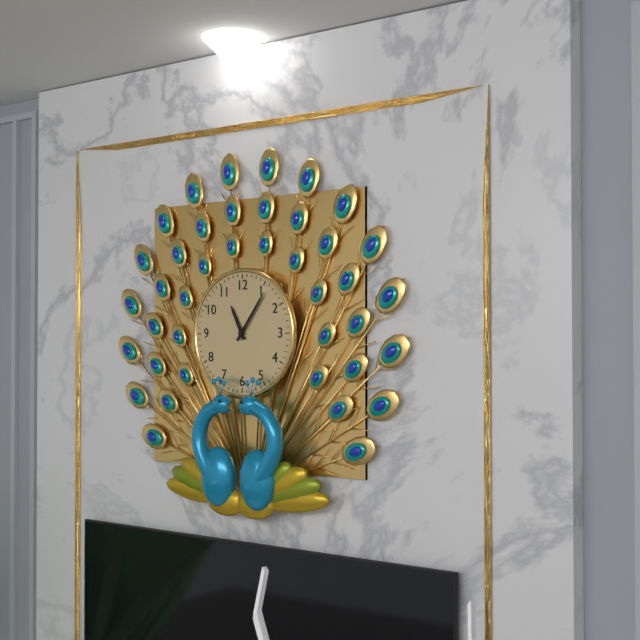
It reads 11h06
